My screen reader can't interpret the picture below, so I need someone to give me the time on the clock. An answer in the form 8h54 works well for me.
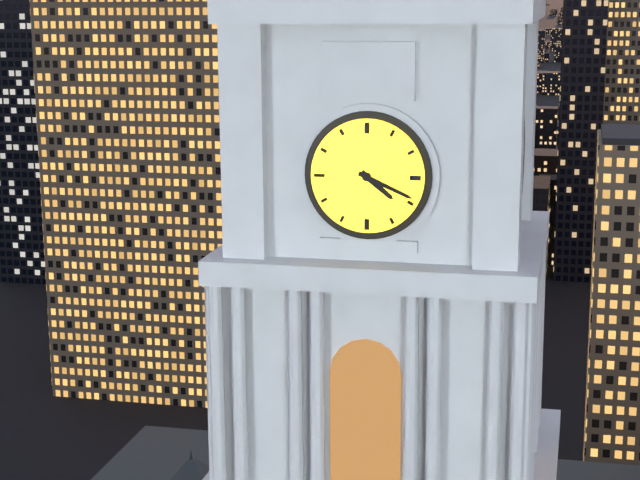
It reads 4h19
